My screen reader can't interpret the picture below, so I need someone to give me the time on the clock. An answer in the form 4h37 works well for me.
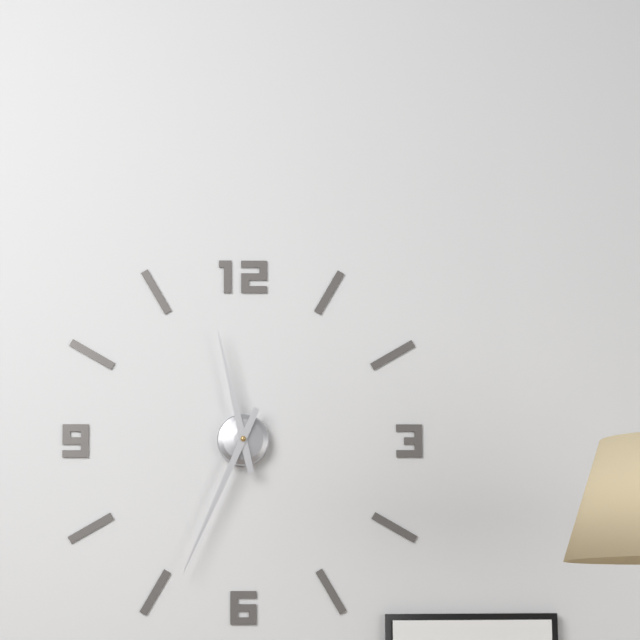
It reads 11h34
